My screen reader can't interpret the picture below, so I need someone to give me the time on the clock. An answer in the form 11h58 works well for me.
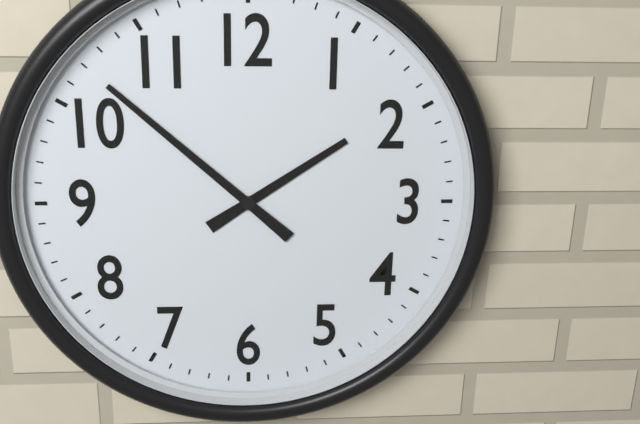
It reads 1h52
